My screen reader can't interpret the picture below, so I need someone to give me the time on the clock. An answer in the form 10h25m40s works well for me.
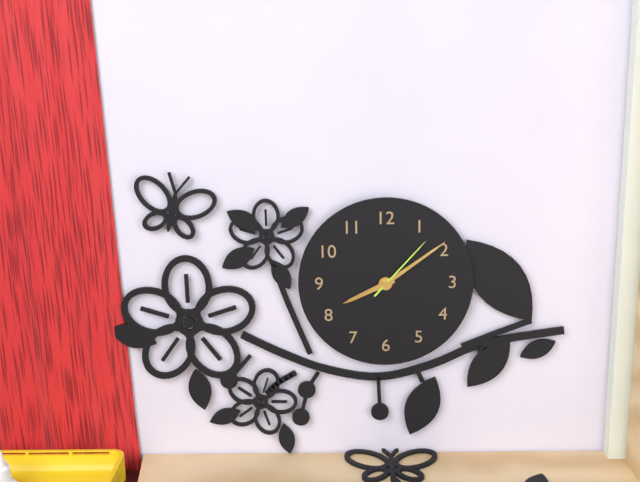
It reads 8h09m07s
